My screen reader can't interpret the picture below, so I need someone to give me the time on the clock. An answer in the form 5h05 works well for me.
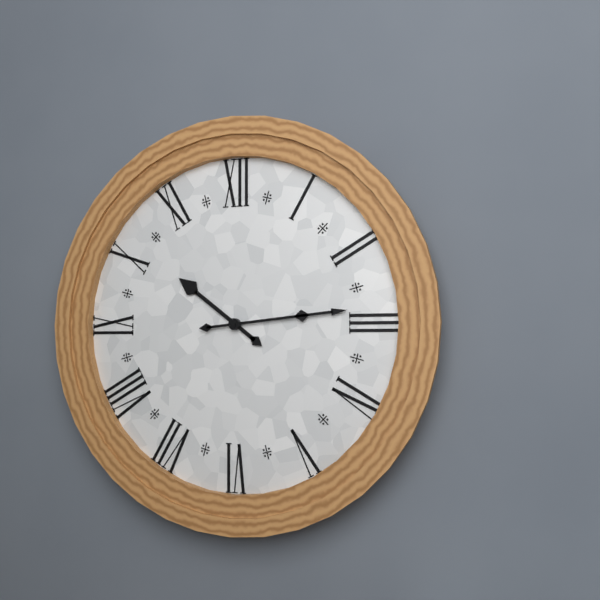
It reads 10h14
